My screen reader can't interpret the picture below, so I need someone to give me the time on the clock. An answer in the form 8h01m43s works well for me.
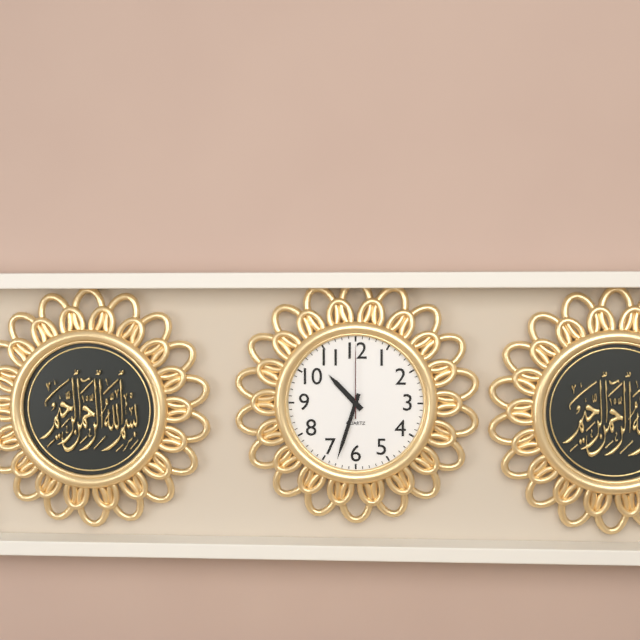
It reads 10h33m00s
